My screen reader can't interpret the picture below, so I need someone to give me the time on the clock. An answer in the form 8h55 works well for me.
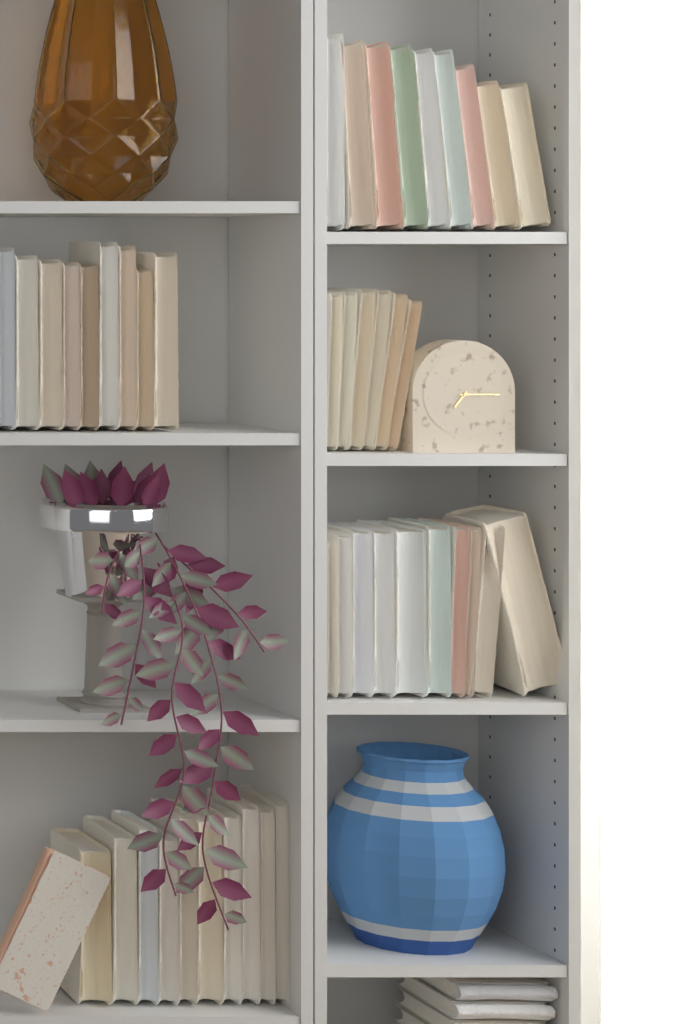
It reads 7h15
